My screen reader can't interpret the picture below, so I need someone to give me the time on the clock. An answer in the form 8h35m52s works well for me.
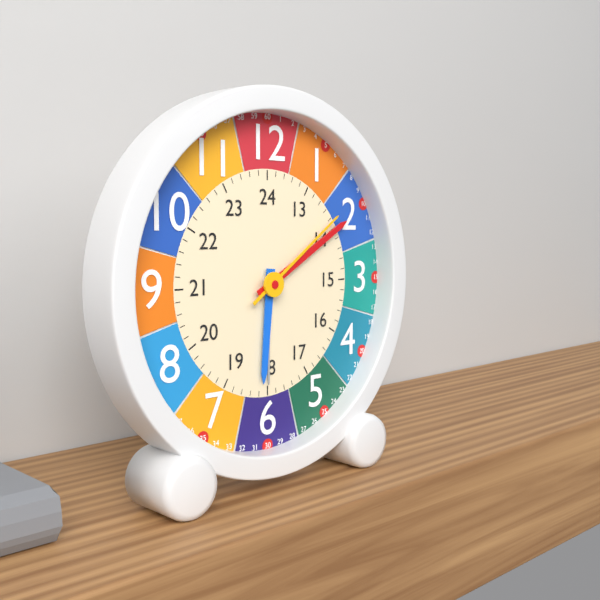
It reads 6h10m09s
